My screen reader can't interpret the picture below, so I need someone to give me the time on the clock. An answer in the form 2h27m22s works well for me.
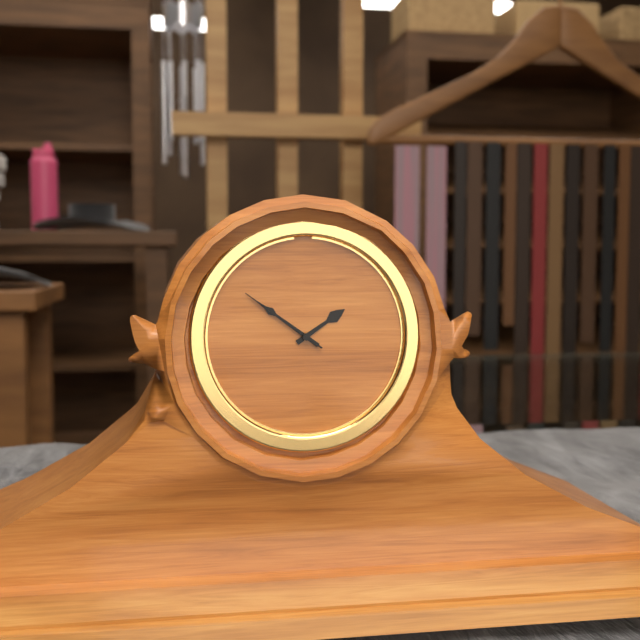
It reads 1h51m51s
